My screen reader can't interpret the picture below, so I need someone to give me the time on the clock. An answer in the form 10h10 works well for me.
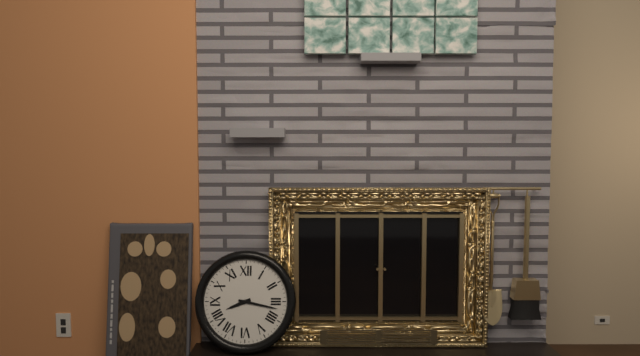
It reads 8h17
